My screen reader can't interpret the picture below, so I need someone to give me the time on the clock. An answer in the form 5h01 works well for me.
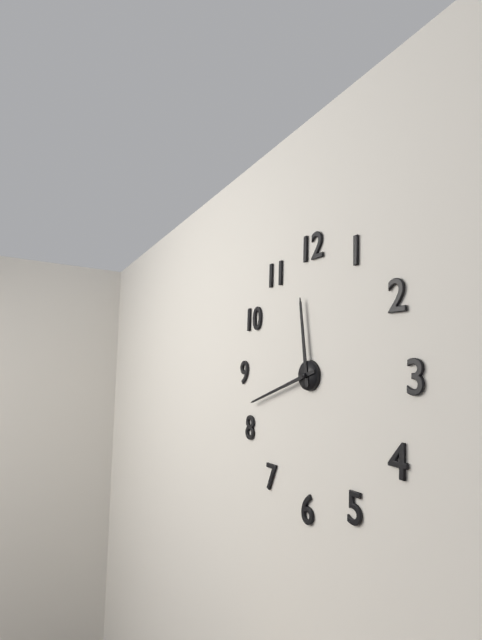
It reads 11h42
